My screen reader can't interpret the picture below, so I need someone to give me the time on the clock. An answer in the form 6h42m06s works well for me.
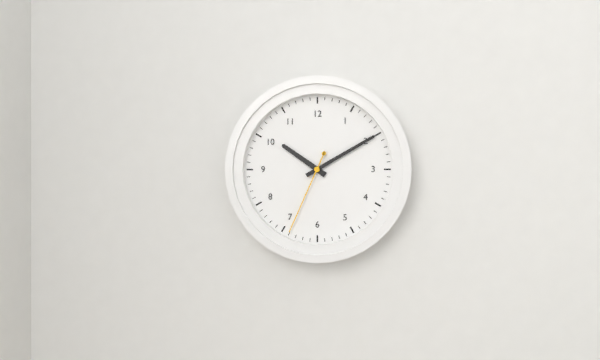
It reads 10h10m34s
